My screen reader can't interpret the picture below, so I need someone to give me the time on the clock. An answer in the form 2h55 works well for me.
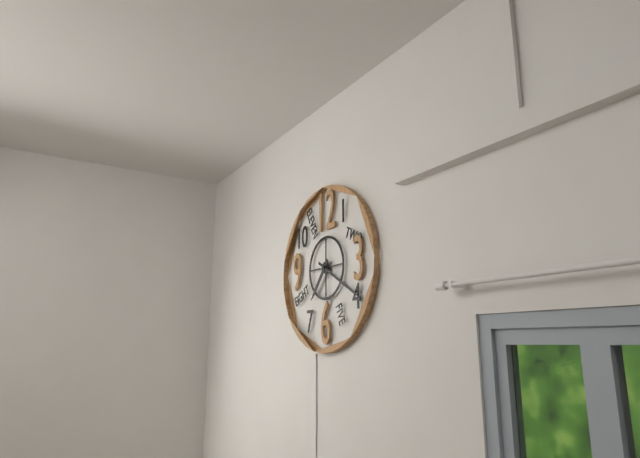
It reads 7h20
